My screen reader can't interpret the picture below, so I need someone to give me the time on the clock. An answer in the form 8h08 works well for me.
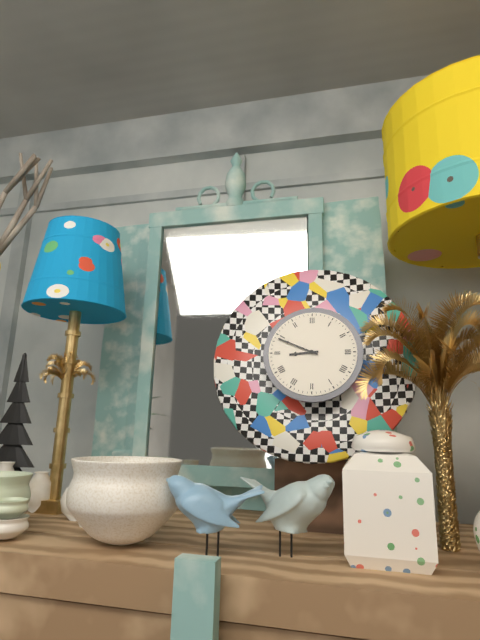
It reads 8h49
